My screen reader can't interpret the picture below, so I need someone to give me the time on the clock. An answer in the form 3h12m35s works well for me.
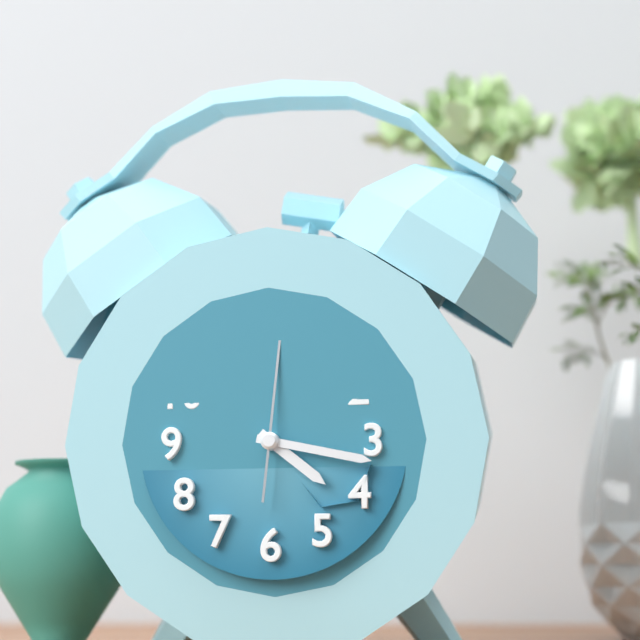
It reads 4h17m01s
